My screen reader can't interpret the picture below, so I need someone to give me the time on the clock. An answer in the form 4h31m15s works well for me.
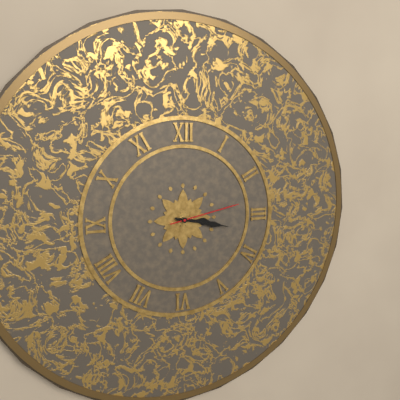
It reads 3h17m13s
